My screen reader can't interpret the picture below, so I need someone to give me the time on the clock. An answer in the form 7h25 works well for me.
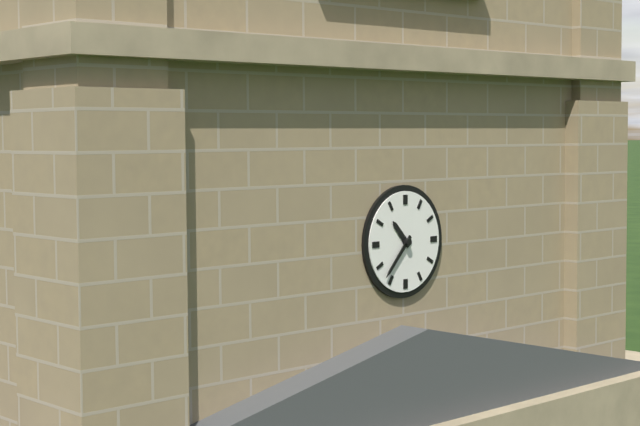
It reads 10h37
